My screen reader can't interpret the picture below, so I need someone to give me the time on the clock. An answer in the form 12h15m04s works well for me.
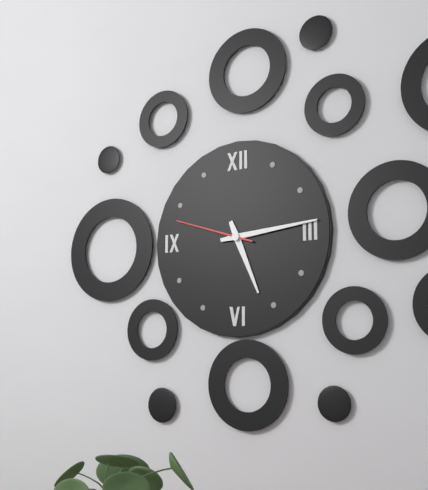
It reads 5h14m48s
